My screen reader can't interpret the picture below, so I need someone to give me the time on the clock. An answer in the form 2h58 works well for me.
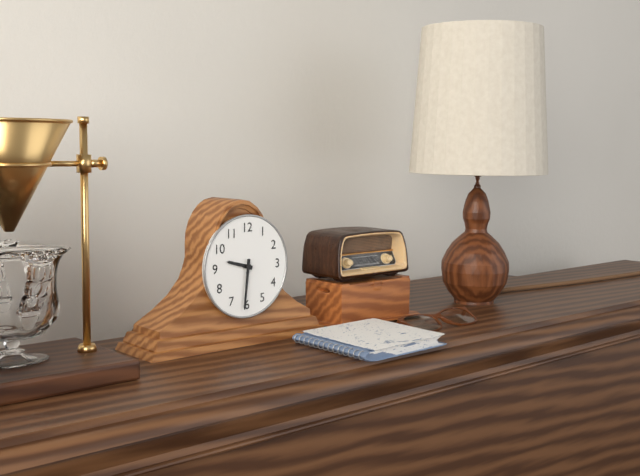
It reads 9h31
